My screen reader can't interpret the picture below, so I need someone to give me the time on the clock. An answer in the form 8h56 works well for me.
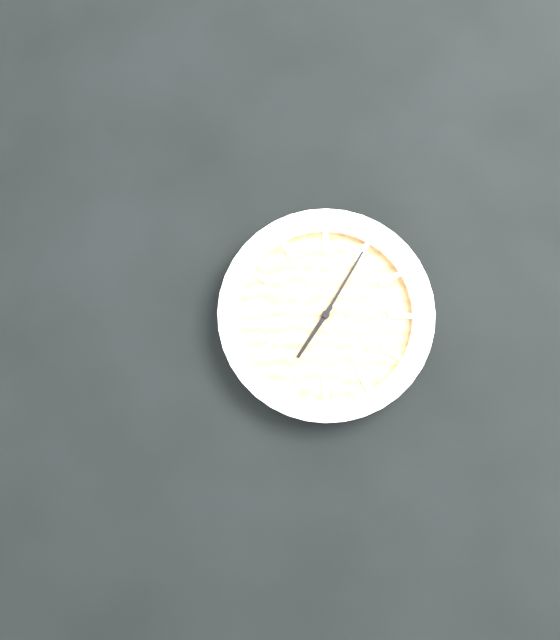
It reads 7h05
